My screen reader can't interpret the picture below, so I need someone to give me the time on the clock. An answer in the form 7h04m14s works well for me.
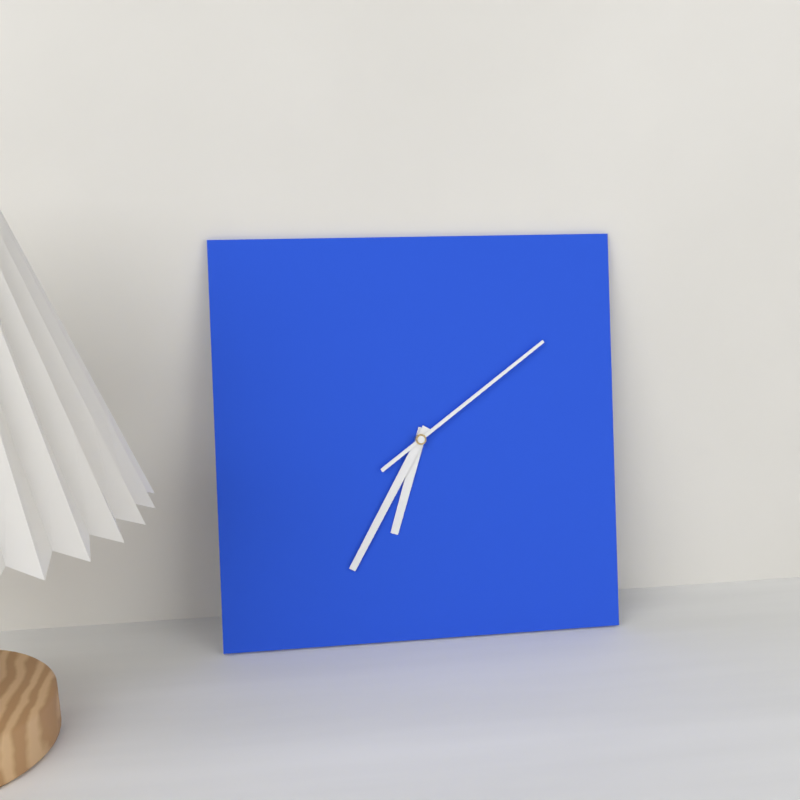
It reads 6h35m09s
